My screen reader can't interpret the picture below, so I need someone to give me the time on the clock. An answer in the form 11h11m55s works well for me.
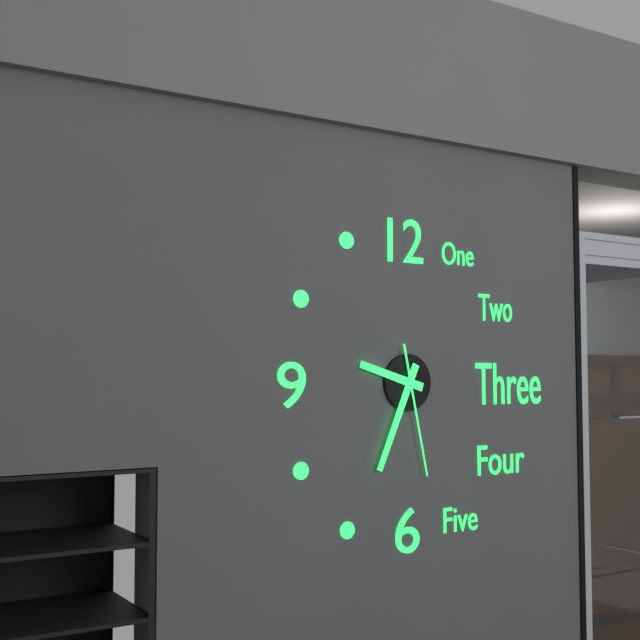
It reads 9h34m28s
